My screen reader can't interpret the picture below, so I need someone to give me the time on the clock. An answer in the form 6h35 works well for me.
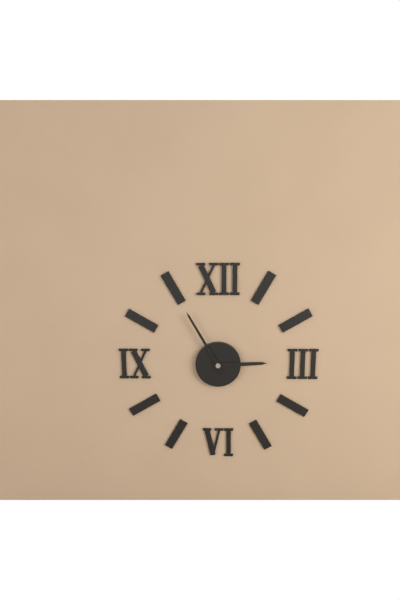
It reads 2h55
